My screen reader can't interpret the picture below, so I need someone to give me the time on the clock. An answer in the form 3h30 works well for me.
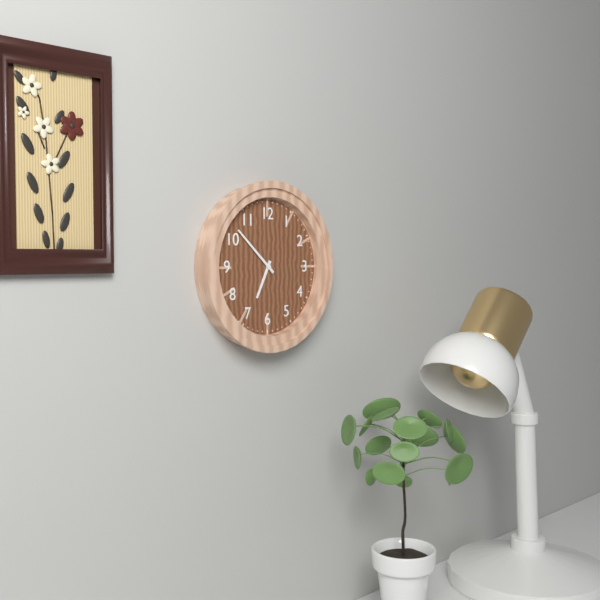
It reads 6h52
